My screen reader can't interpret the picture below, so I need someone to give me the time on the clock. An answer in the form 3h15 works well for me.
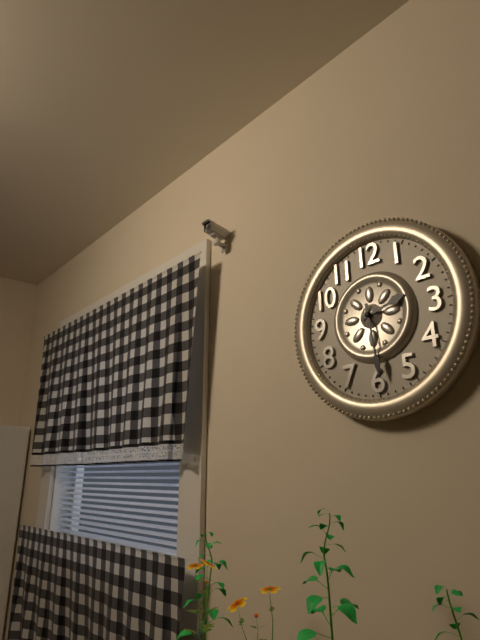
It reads 2h29
